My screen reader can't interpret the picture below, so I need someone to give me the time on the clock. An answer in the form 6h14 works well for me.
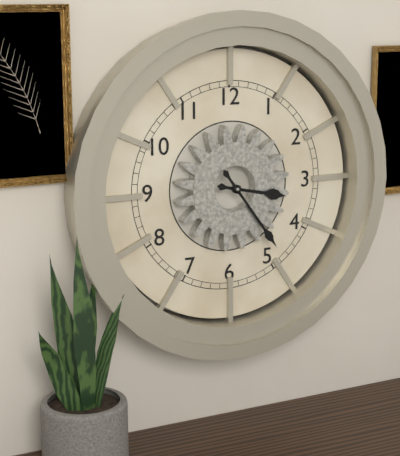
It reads 3h24
